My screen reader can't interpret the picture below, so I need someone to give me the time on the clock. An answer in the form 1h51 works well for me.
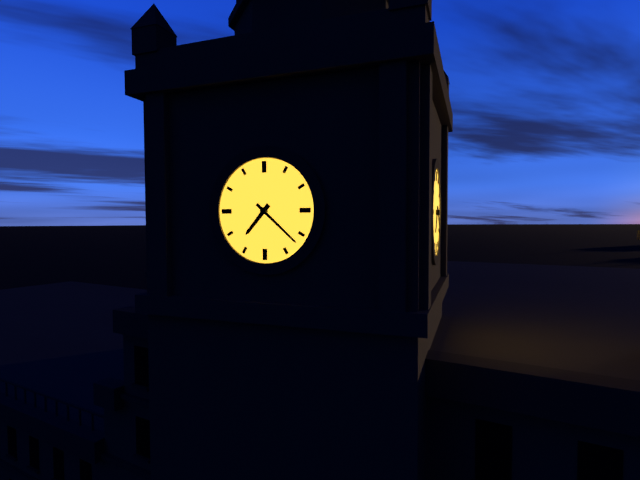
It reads 7h22
